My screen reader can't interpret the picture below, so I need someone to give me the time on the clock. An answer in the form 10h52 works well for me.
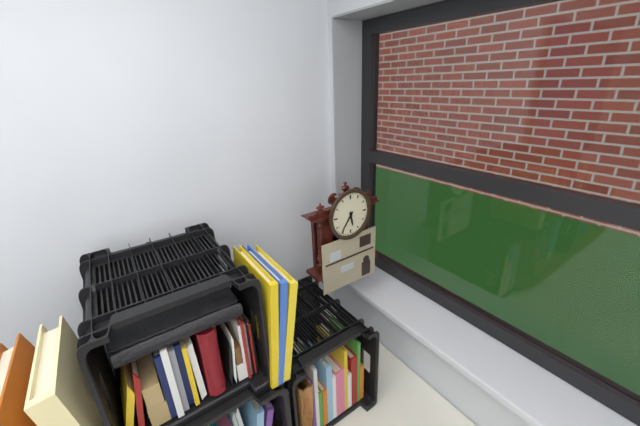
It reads 5h36
